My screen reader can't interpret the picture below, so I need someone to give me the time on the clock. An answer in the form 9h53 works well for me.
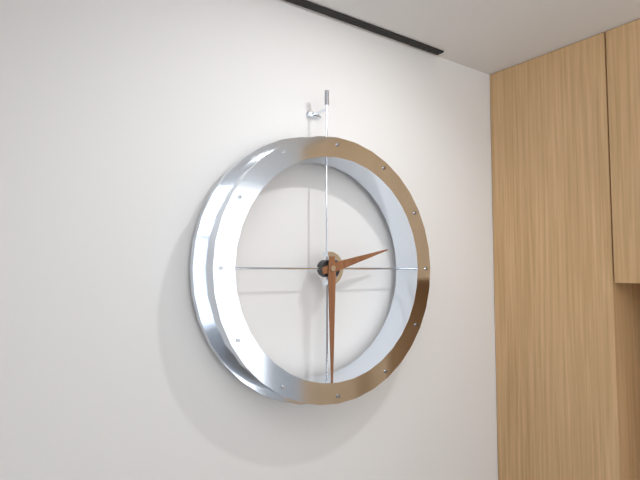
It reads 2h30
